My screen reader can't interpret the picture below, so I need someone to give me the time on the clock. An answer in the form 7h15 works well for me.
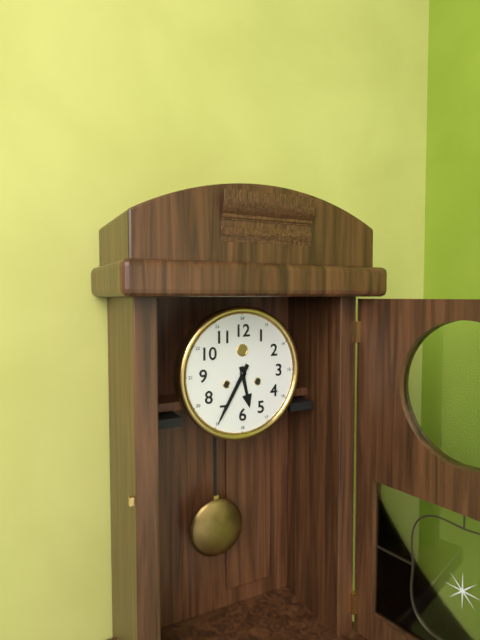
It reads 5h35
